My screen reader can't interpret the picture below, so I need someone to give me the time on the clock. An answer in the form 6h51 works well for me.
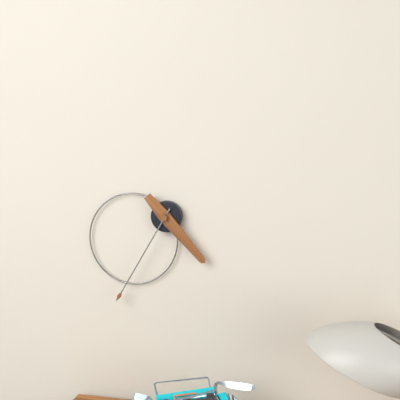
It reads 4h35
